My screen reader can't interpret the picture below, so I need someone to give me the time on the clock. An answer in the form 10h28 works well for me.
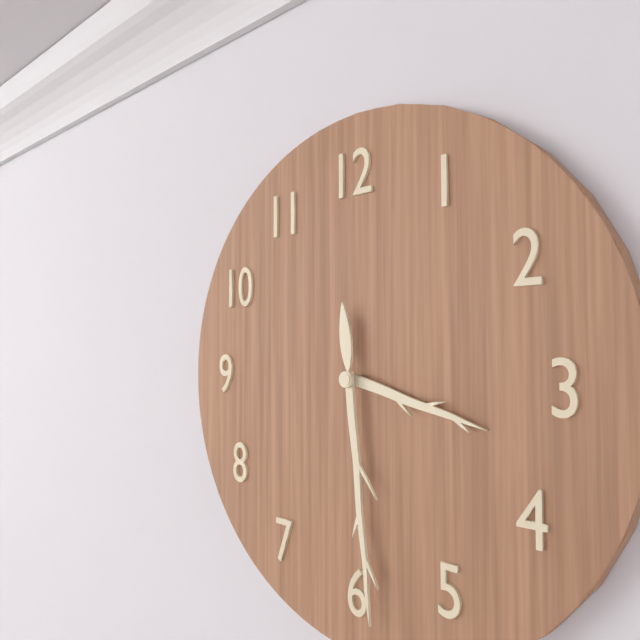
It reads 3h29
